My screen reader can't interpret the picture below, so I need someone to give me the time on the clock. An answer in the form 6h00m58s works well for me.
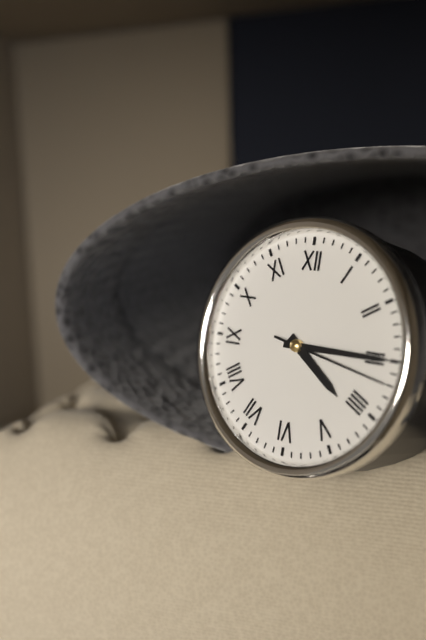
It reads 4h15m17s
